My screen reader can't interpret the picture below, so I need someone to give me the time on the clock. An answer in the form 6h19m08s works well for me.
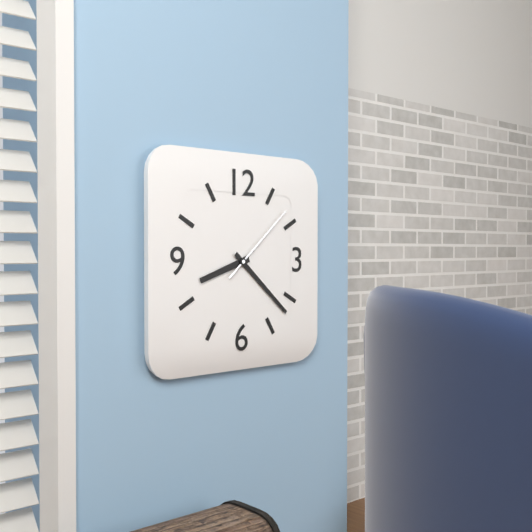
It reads 8h22m08s
